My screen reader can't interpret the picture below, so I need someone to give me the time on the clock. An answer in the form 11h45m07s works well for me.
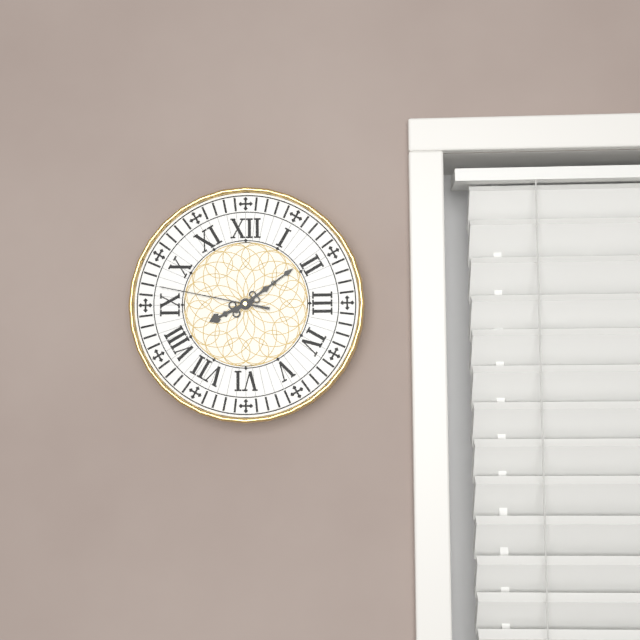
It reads 8h09m47s
